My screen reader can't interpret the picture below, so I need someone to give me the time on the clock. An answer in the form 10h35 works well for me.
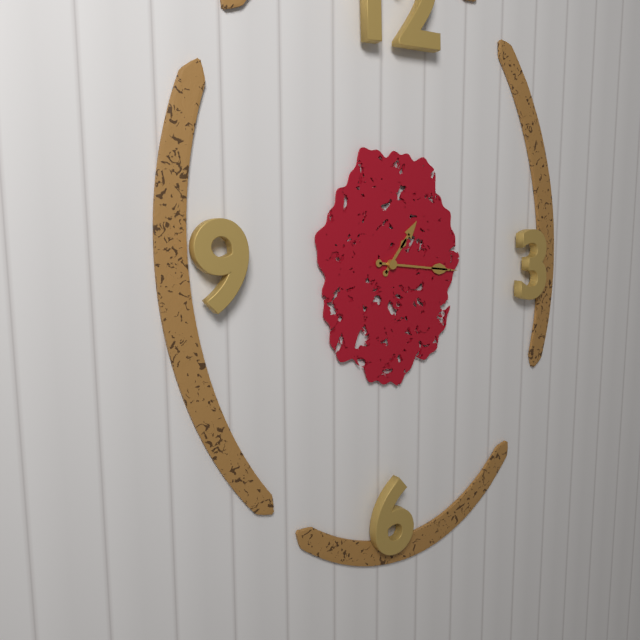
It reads 1h16
